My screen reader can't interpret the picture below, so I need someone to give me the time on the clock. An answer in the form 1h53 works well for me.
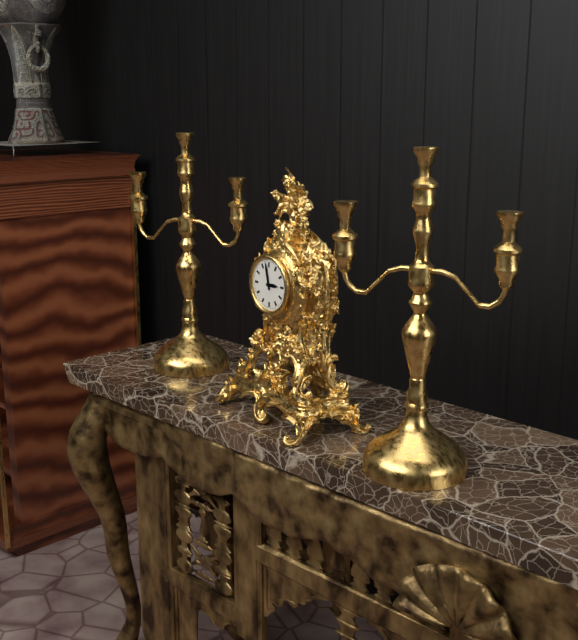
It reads 2h58
